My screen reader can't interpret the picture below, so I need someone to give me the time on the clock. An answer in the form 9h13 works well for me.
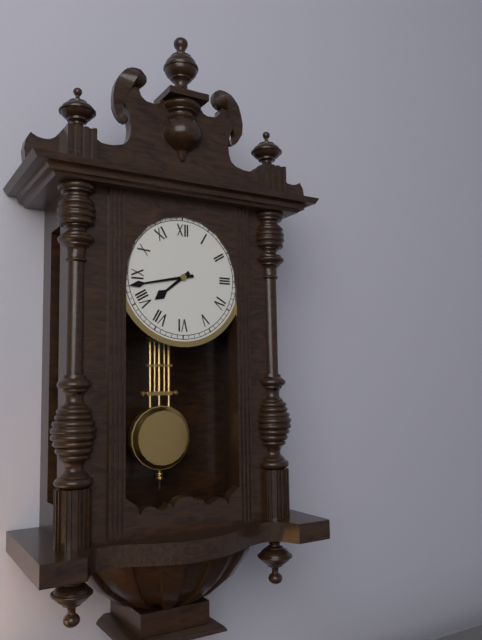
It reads 7h43
